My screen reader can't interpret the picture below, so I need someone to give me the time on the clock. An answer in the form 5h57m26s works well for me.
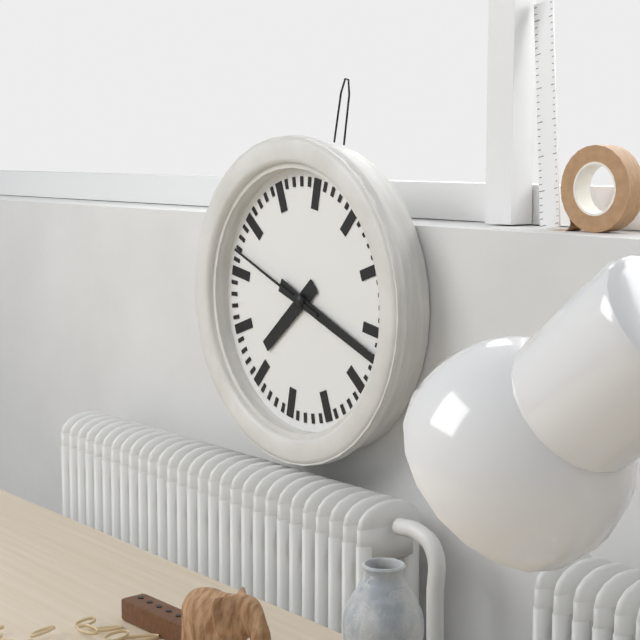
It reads 7h17m47s
